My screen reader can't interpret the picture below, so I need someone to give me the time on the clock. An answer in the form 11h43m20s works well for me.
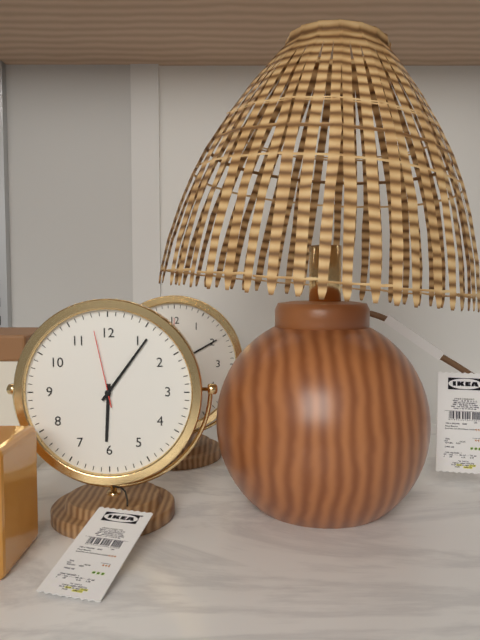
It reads 6h06m58s
